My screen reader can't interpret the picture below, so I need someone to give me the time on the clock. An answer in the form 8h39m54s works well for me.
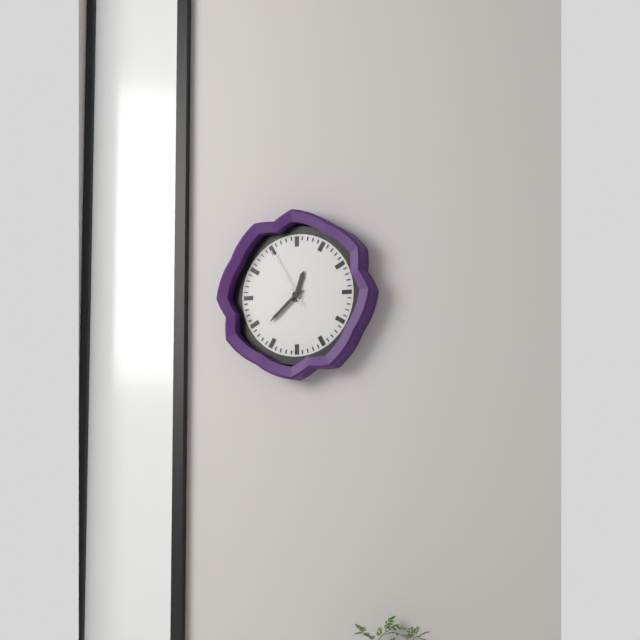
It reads 12h38m55s
